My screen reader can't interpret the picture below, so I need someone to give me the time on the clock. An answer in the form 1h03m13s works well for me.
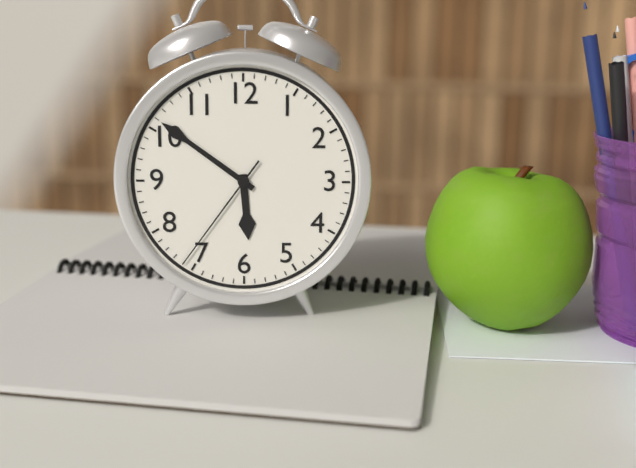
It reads 5h51m36s
